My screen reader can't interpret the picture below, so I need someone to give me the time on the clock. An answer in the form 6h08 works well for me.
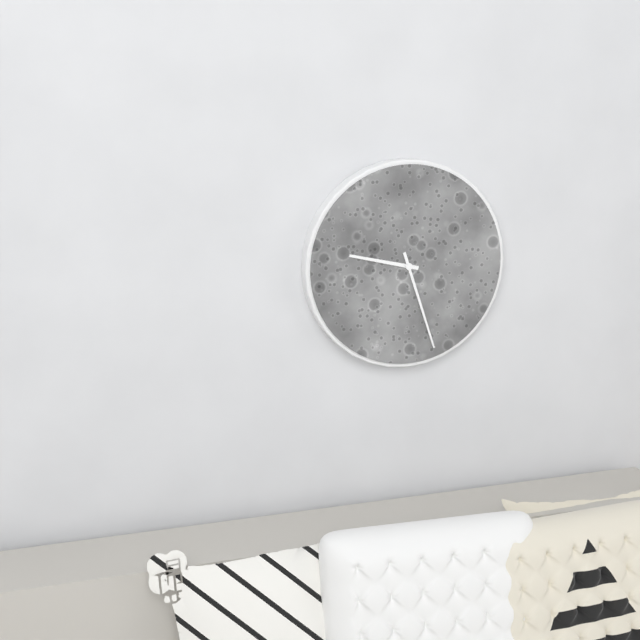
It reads 9h27
